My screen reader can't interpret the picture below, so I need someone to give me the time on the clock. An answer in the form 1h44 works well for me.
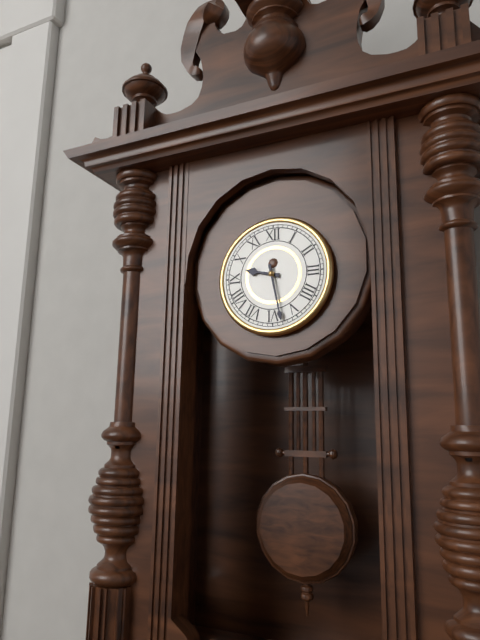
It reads 9h28
